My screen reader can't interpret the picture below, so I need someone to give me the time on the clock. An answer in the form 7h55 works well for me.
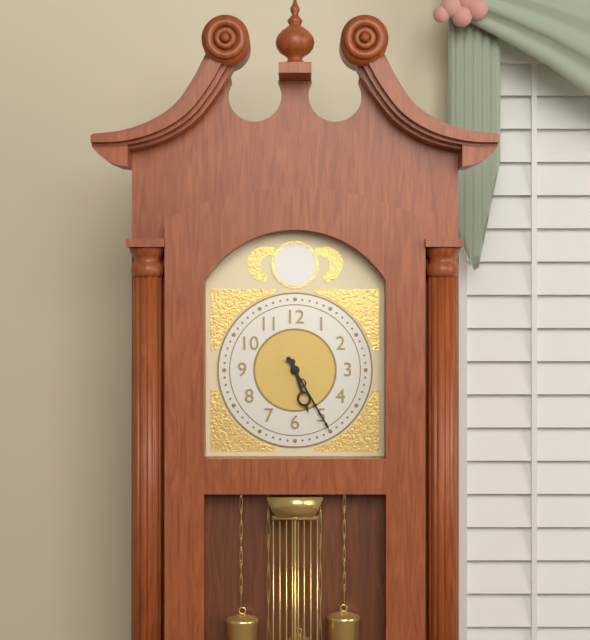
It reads 5h25
